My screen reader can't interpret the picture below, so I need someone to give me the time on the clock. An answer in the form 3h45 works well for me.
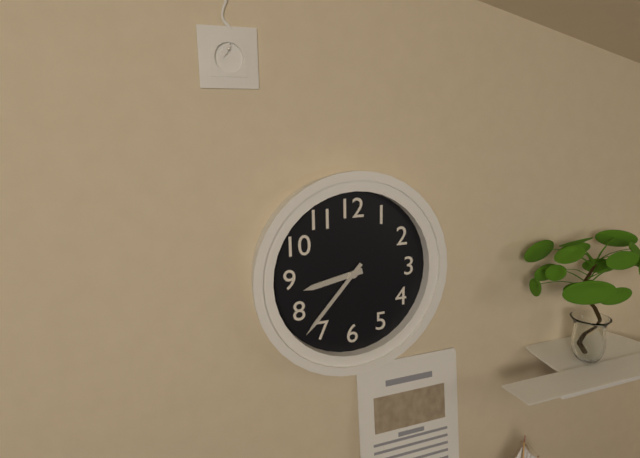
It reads 8h37
